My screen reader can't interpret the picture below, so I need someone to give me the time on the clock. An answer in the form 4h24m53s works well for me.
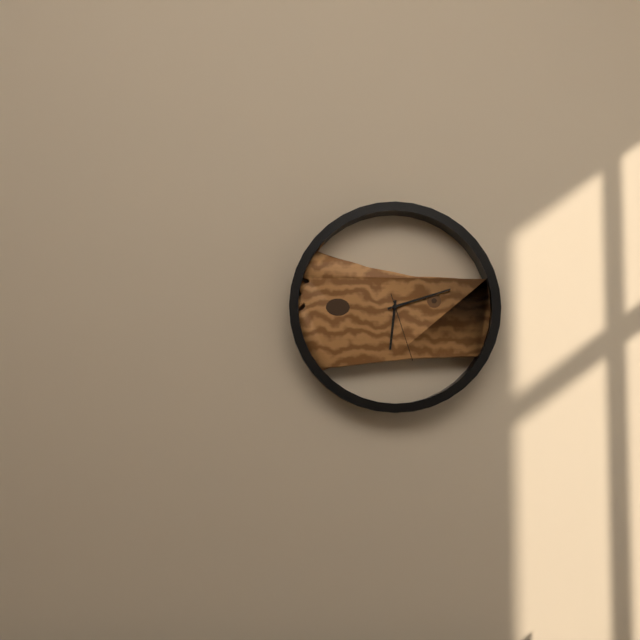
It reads 6h12m27s
